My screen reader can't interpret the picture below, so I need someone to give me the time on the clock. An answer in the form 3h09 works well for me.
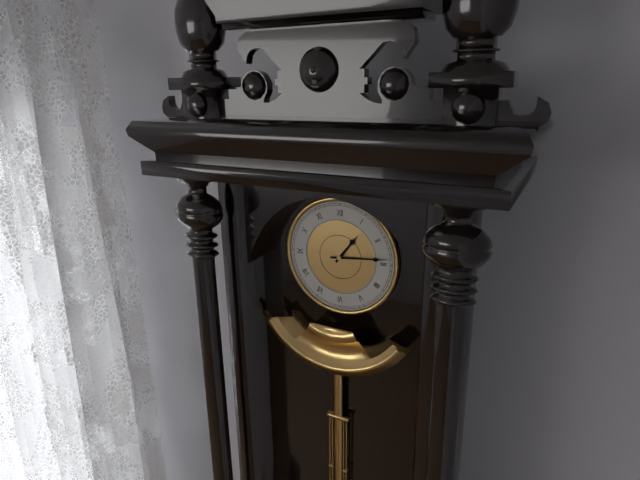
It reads 1h14
